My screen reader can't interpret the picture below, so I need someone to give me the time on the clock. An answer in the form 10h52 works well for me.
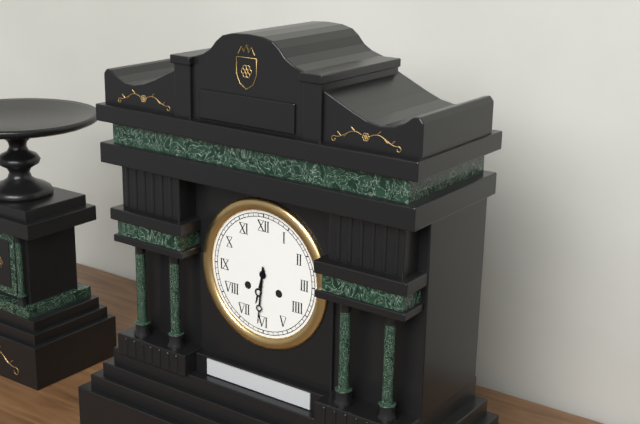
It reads 6h31
